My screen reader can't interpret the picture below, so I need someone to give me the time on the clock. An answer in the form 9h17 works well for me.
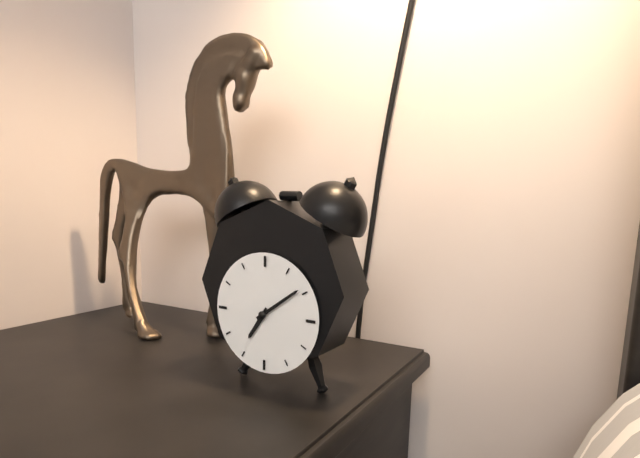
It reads 7h09
